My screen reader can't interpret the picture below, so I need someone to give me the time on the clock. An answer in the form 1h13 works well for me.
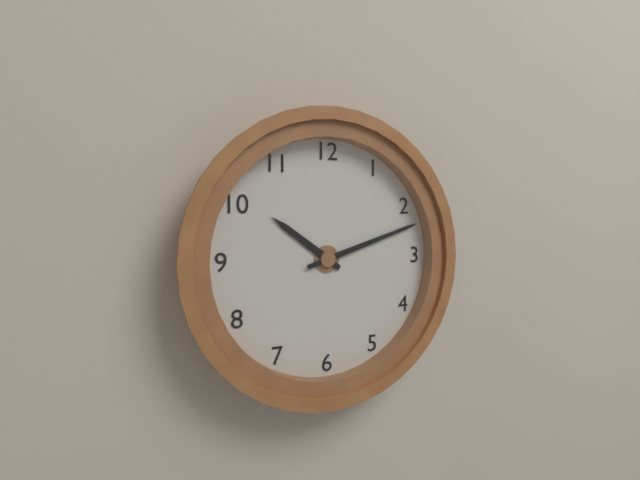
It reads 10h12
